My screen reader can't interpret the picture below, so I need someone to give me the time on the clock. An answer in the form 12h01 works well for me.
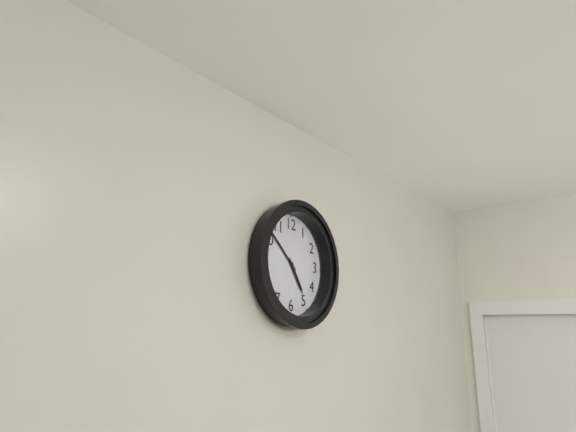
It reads 4h52
